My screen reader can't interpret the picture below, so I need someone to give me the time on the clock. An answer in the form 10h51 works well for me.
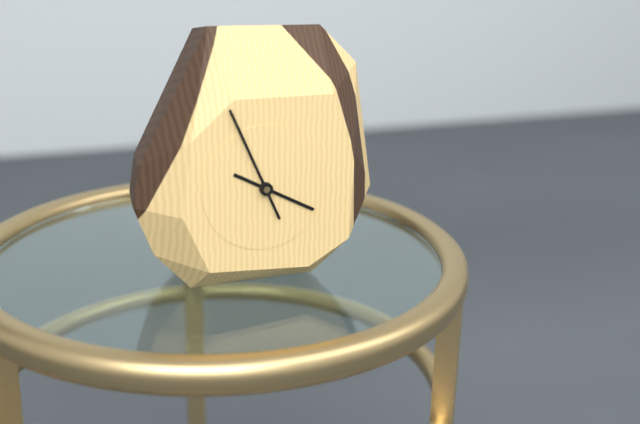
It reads 3h56
